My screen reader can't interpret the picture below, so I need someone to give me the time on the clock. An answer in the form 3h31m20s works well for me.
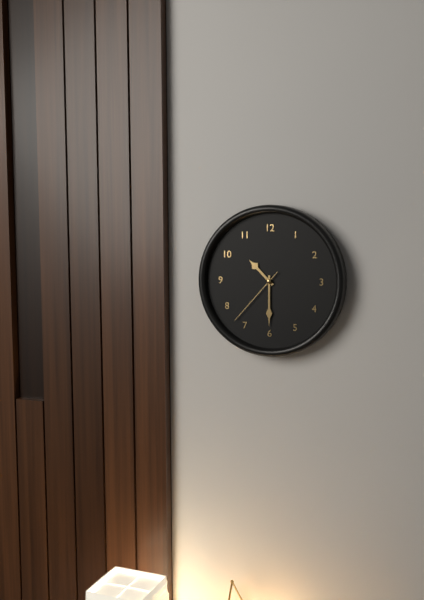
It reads 10h30m37s
